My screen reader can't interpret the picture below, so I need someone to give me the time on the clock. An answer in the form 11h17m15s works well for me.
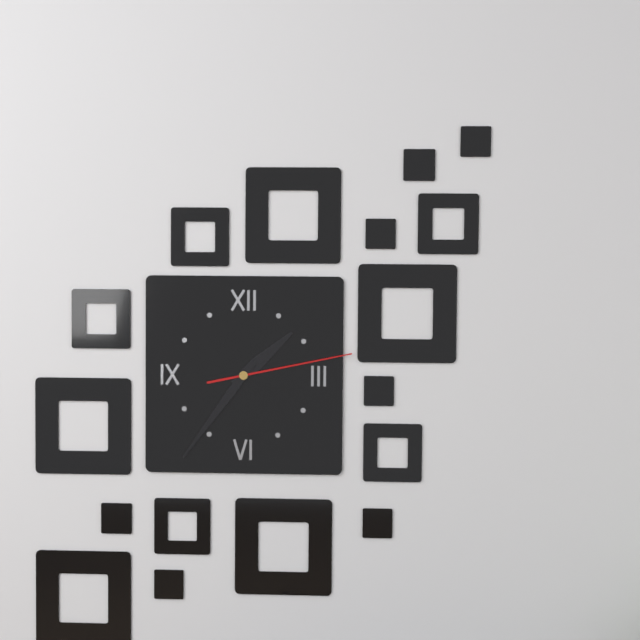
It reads 1h36m13s
